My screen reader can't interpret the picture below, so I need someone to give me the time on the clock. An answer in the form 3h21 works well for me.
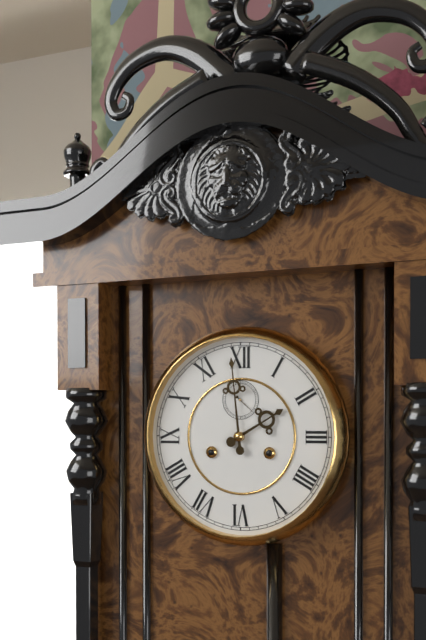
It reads 1h59
